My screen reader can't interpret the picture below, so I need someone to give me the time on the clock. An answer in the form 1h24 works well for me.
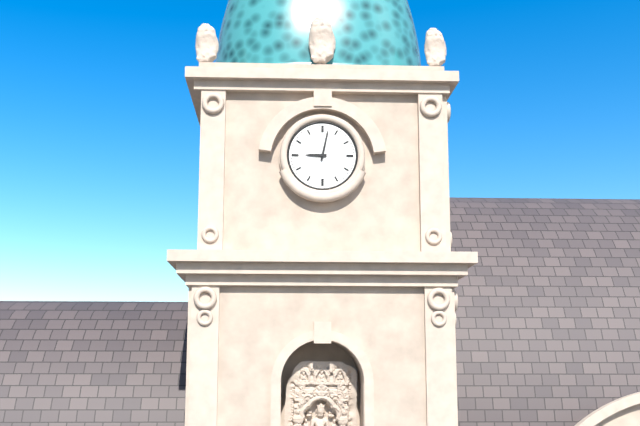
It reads 9h02
